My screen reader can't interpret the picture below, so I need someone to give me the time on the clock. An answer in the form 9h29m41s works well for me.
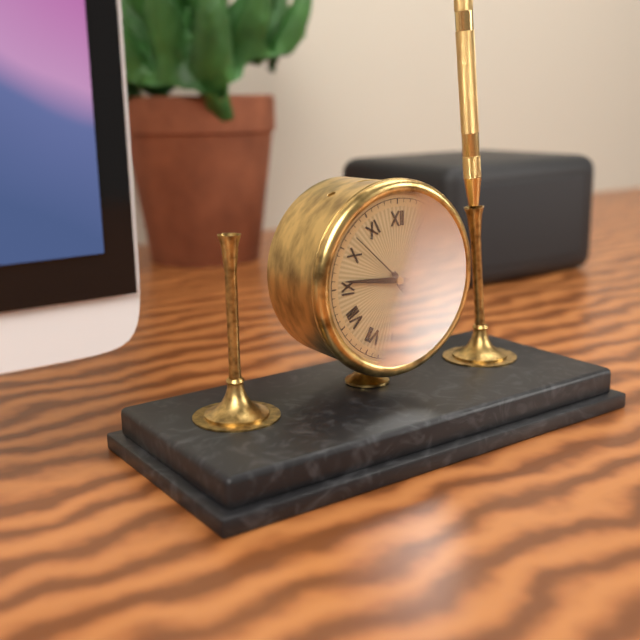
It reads 4h46m52s
